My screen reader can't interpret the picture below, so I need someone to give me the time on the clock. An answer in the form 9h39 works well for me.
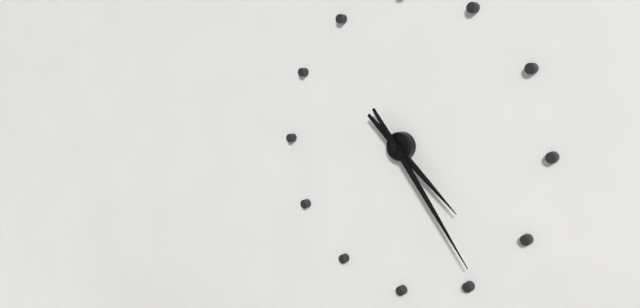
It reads 4h24
